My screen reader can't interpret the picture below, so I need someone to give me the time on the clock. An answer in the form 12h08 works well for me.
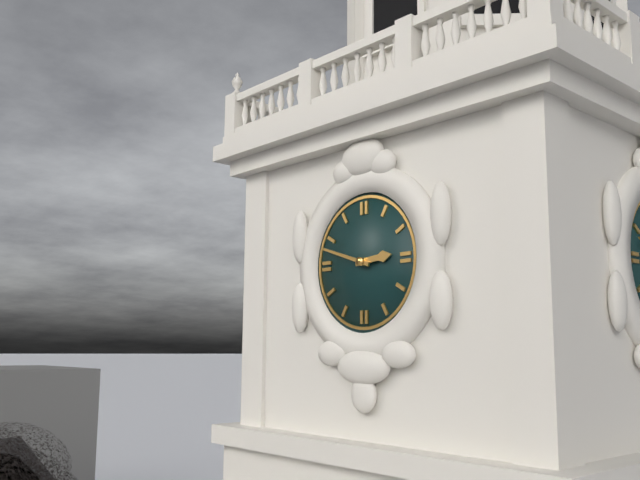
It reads 2h48
